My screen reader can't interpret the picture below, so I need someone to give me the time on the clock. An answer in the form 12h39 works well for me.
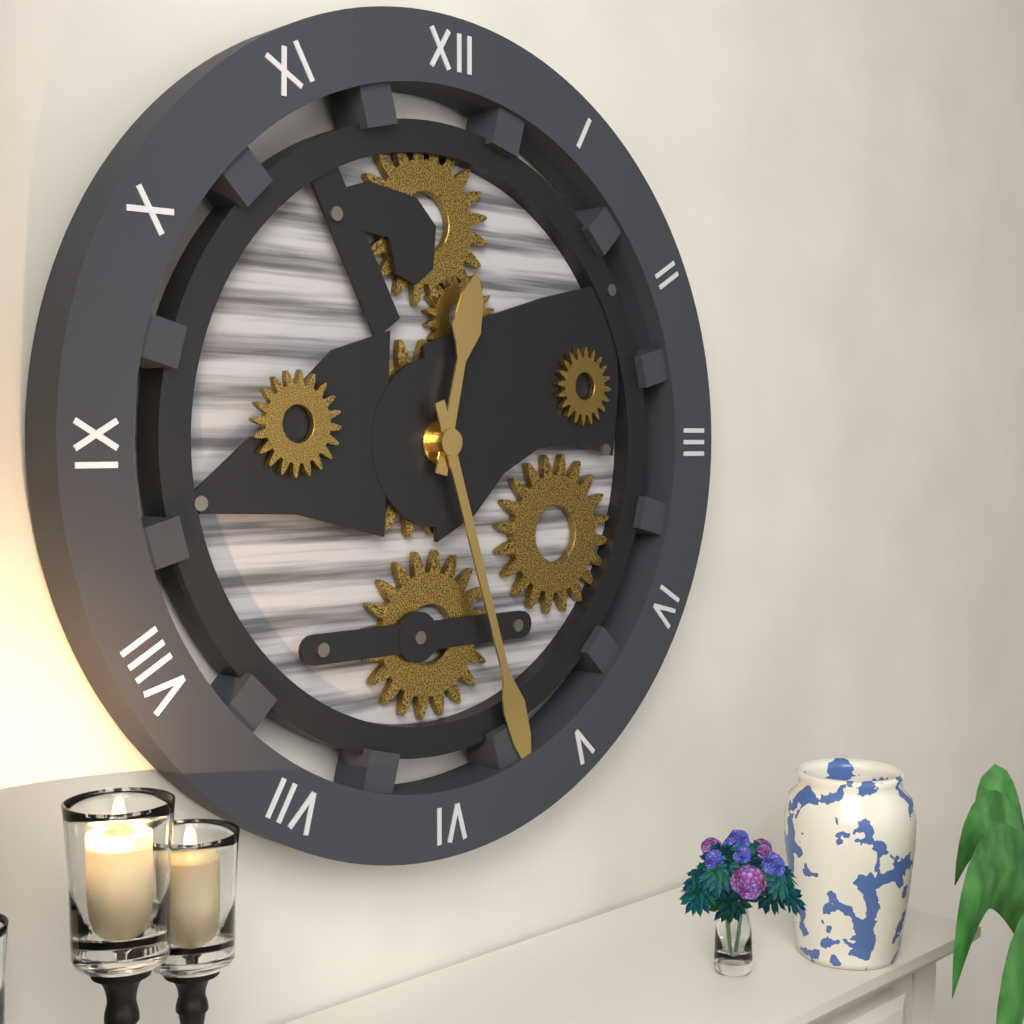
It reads 12h27
